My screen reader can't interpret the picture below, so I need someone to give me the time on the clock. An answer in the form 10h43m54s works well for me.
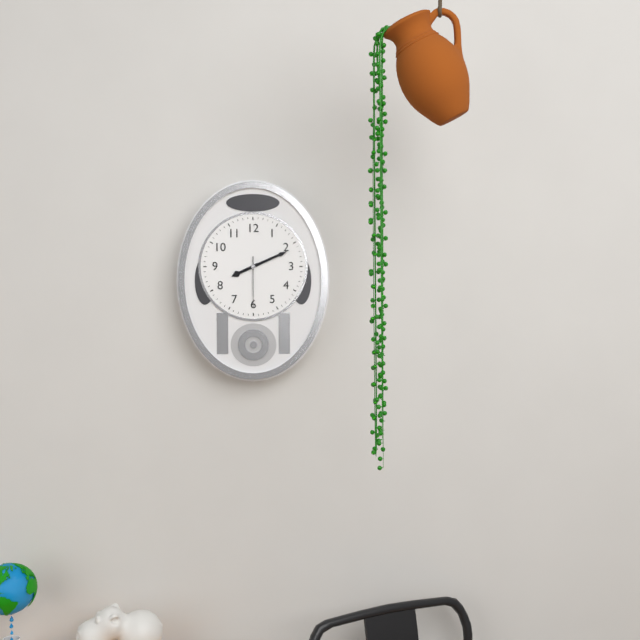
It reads 8h11m30s
